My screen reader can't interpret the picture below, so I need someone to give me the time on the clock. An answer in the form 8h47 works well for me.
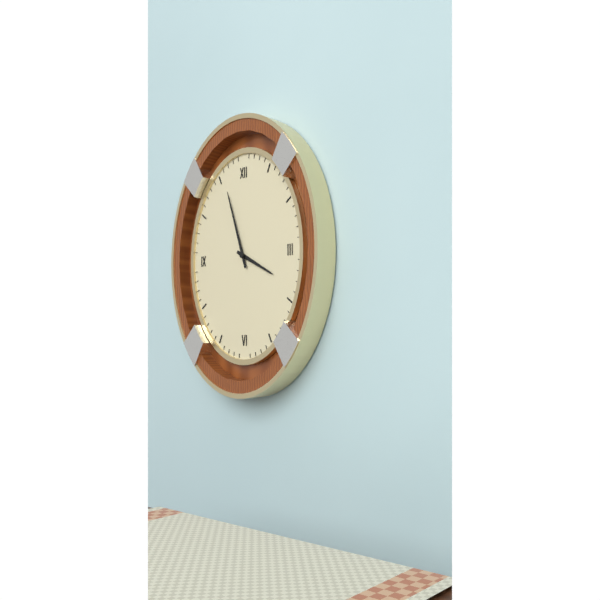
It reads 3h57
